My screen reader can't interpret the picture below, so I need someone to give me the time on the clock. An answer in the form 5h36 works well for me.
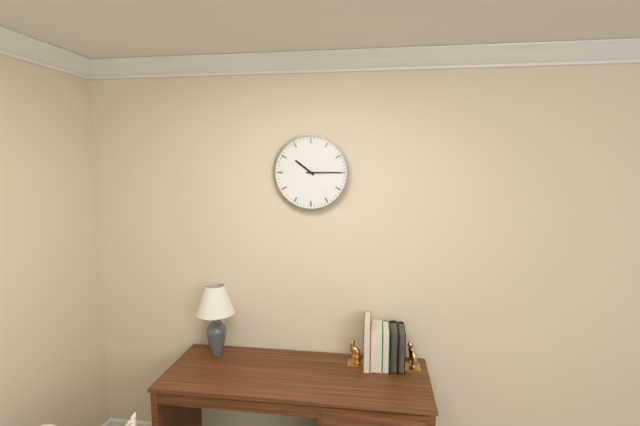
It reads 10h15
